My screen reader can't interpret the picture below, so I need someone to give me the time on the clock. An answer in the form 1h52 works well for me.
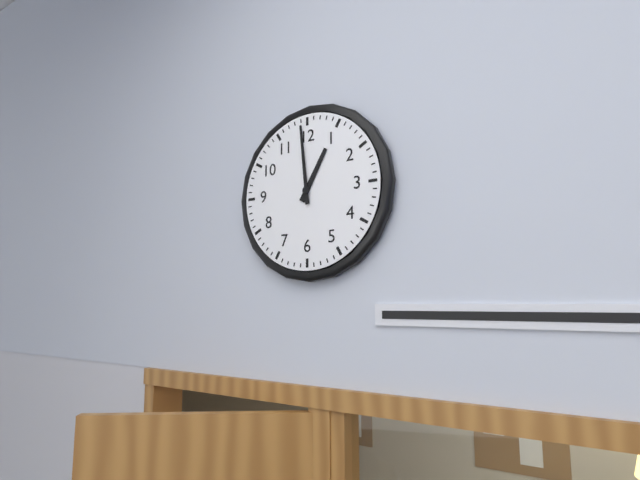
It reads 12h59
